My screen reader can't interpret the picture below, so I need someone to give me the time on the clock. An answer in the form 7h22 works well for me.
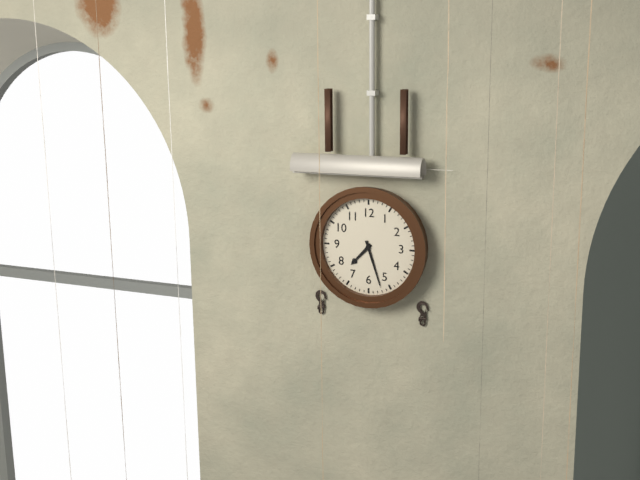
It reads 7h27
